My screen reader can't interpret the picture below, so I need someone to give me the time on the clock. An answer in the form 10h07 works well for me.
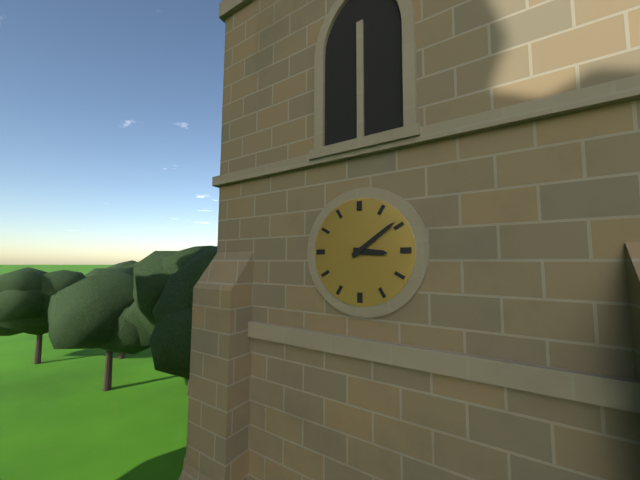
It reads 3h09
